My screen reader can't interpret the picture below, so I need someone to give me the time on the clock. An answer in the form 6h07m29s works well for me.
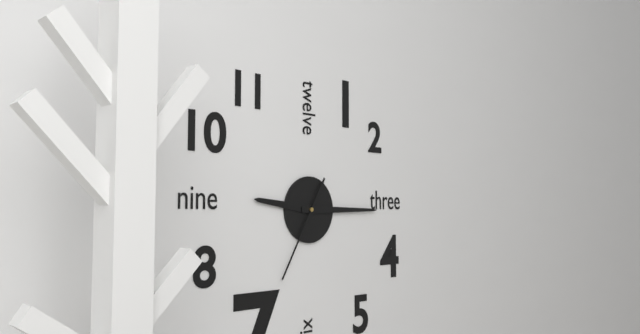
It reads 9h15m35s
